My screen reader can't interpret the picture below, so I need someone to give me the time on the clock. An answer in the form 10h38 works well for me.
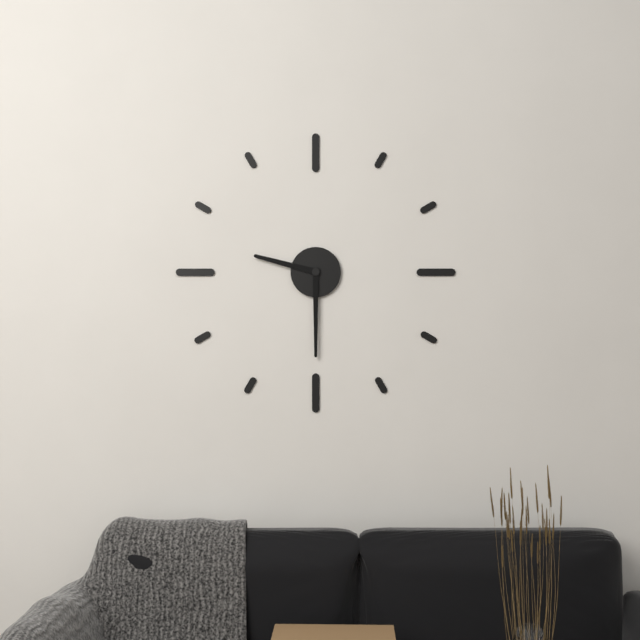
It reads 9h30
